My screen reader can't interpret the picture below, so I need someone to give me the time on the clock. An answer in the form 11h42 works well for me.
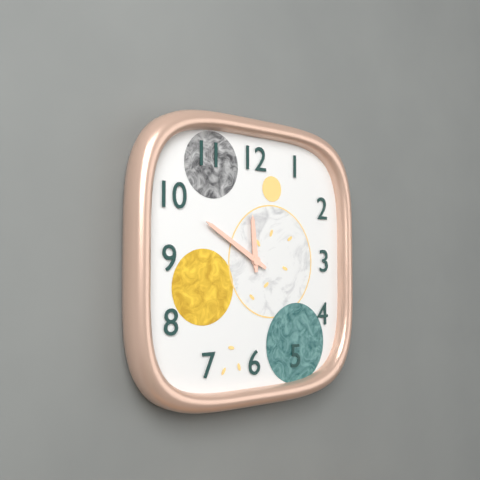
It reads 11h50
